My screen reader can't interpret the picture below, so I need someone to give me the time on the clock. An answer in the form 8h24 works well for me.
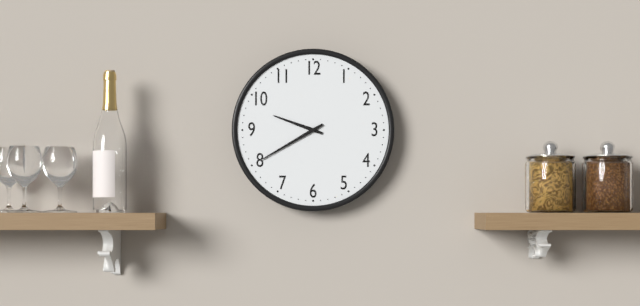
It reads 9h40
